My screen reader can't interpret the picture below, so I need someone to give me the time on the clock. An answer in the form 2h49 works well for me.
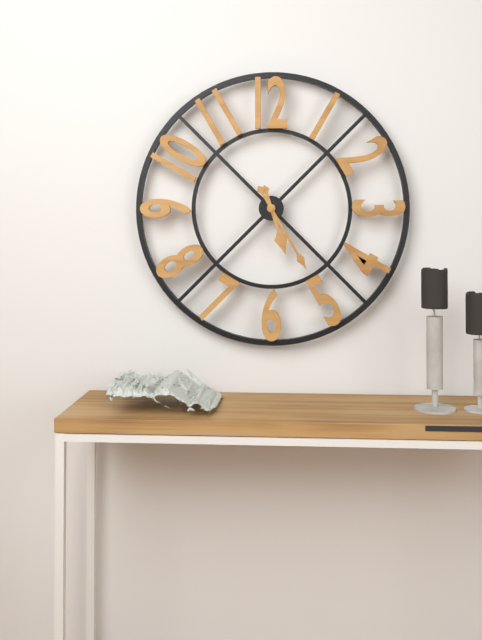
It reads 5h25
